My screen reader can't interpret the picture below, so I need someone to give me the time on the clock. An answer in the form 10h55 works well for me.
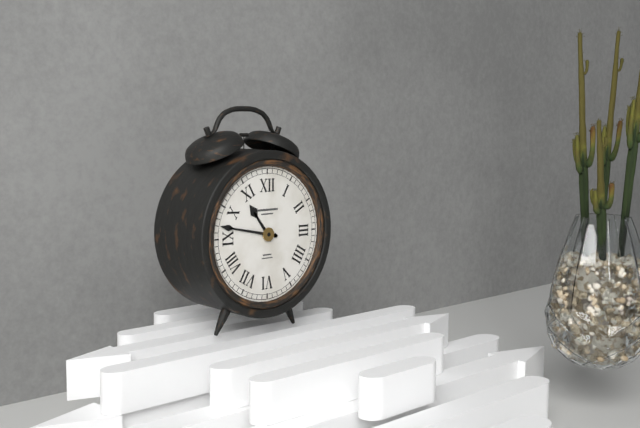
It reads 10h47
